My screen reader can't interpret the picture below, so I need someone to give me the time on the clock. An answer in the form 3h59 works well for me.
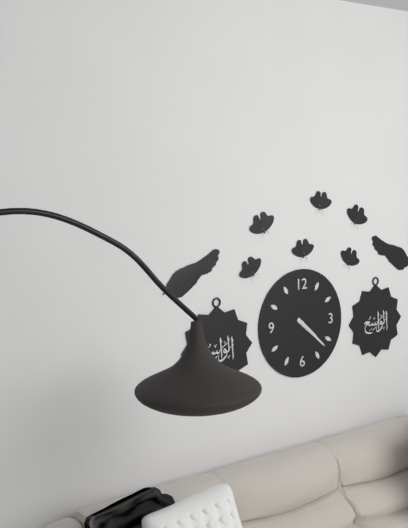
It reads 4h22
